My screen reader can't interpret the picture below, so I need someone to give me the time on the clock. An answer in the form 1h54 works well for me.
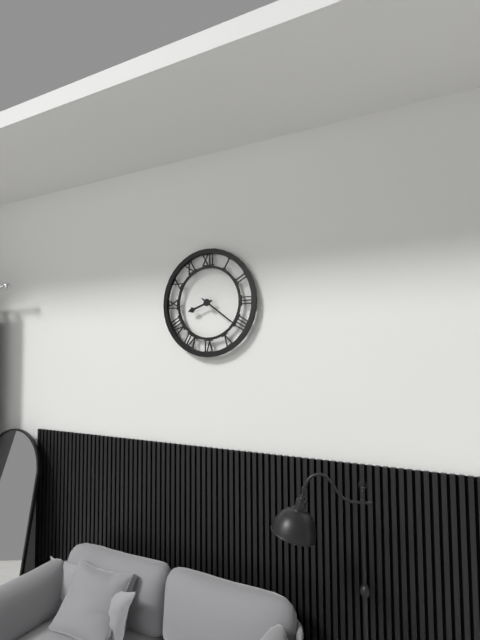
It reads 8h21
